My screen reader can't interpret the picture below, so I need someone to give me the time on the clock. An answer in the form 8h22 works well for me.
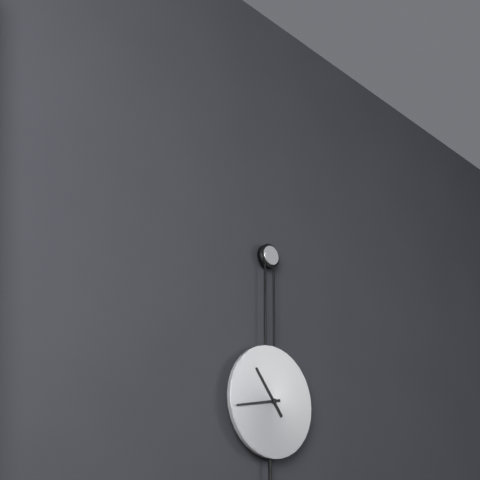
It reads 10h43
